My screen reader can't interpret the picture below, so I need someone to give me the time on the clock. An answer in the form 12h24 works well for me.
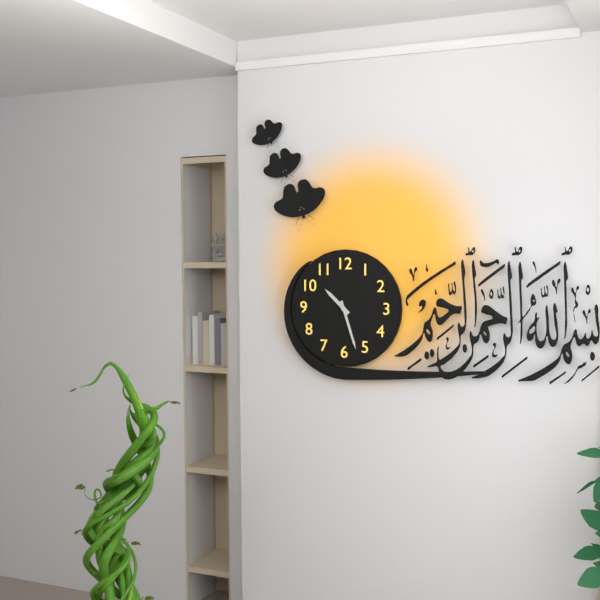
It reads 10h27
